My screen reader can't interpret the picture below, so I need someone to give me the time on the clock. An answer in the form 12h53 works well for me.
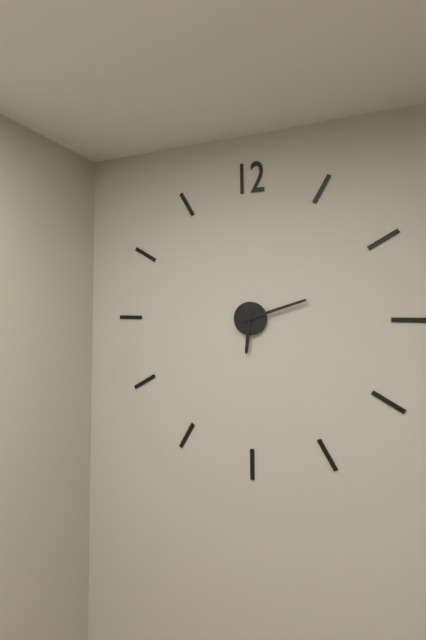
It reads 6h12
